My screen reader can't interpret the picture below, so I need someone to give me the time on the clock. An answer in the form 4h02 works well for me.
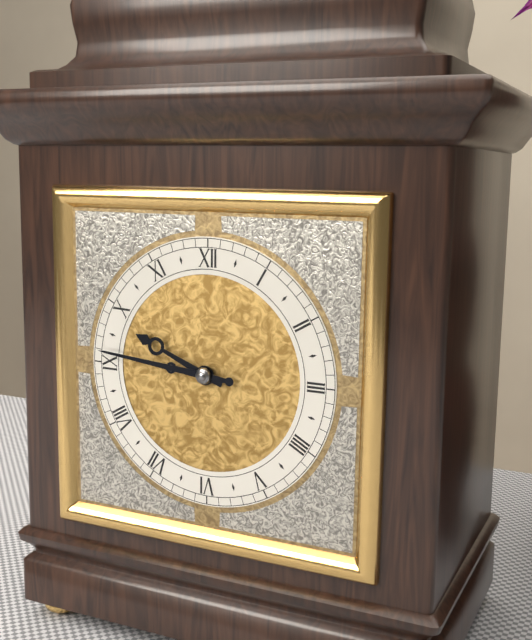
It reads 9h46
